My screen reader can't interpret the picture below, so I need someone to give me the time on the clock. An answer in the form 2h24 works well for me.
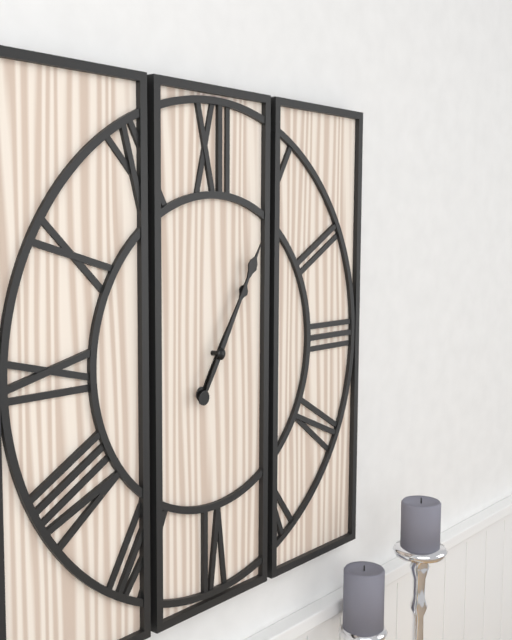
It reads 1h05
